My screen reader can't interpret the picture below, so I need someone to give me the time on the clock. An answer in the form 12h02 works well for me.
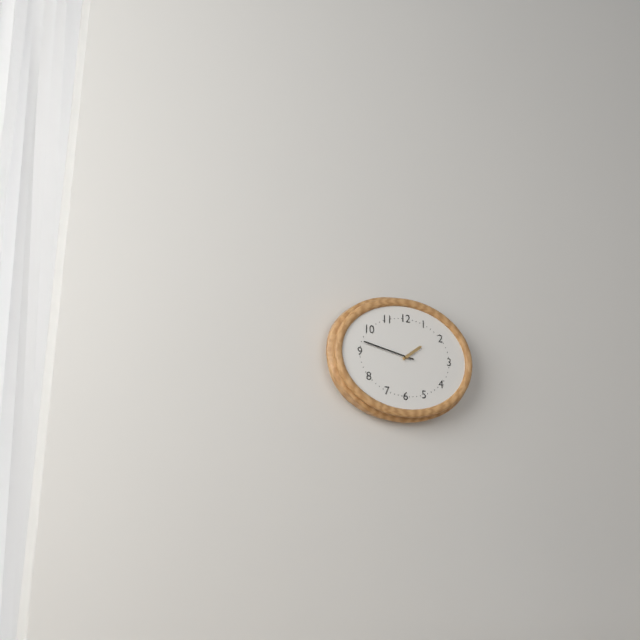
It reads 1h47
